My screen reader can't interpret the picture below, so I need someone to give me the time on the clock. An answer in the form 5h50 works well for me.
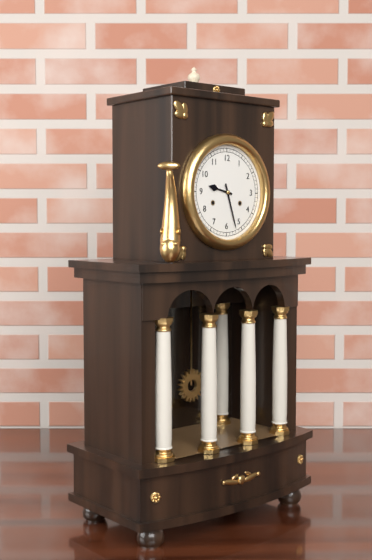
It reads 9h27
